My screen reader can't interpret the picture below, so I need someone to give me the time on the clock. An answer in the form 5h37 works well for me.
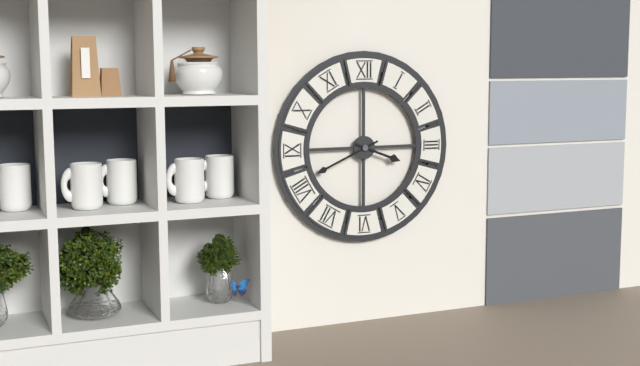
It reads 3h41
